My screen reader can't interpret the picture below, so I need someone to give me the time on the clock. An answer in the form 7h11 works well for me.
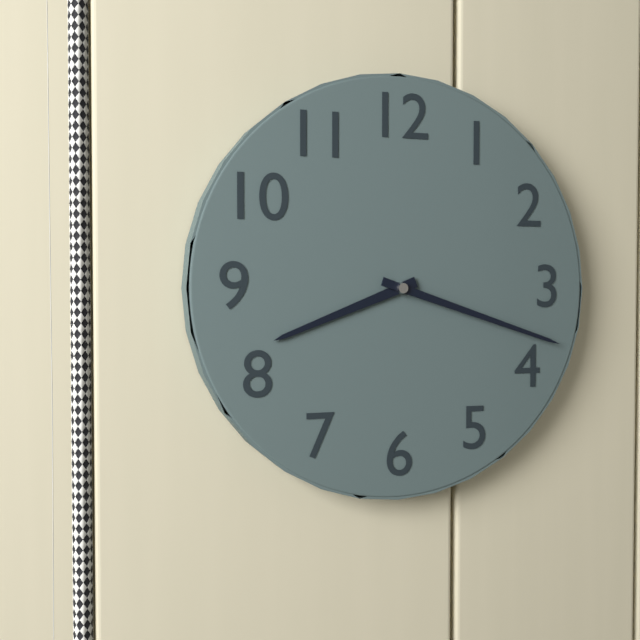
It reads 8h18
